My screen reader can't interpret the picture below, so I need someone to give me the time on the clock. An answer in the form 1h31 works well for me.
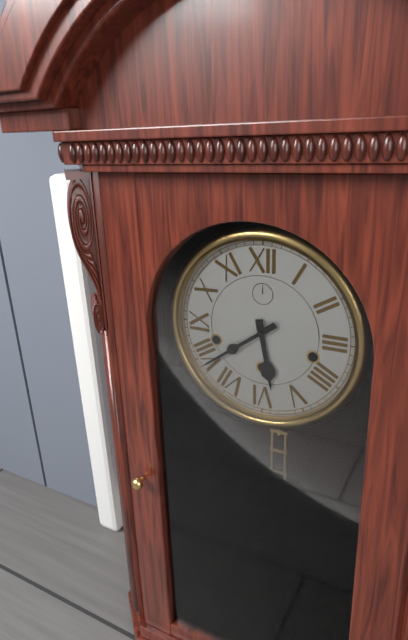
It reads 5h39
